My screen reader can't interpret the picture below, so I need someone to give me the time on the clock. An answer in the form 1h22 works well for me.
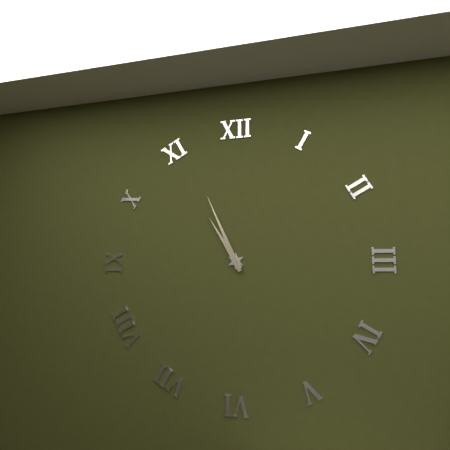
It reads 10h56
